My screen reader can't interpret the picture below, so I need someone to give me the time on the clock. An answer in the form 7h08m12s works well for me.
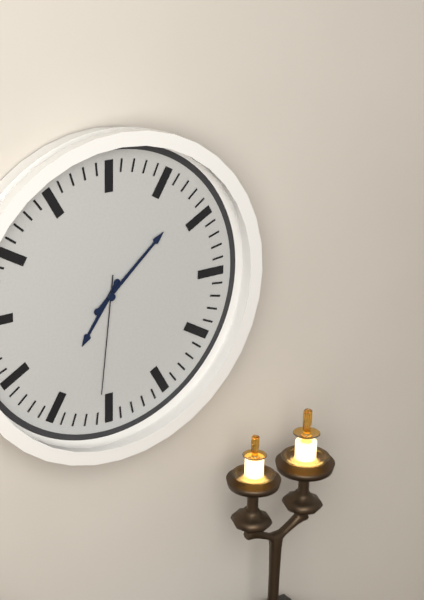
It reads 7h08m31s
